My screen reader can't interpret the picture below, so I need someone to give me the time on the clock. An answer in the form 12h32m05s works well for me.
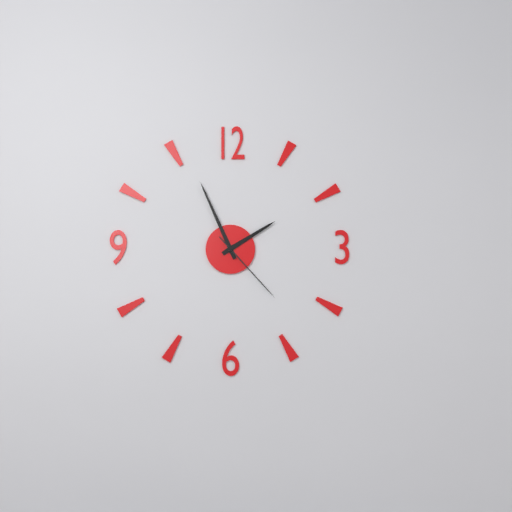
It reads 1h56m23s
